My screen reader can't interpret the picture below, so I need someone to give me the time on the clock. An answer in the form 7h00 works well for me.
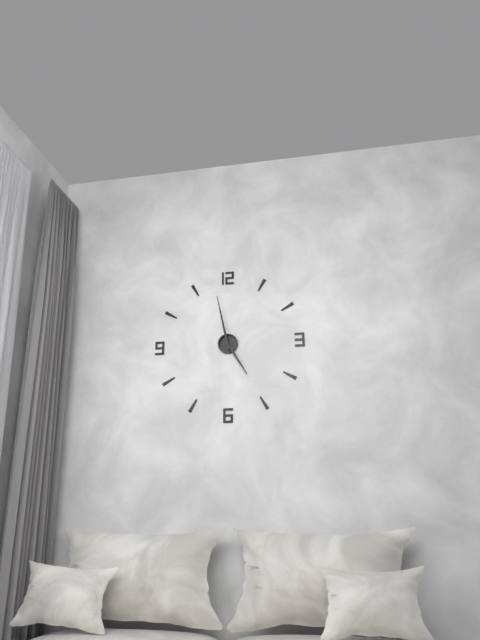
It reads 4h58
